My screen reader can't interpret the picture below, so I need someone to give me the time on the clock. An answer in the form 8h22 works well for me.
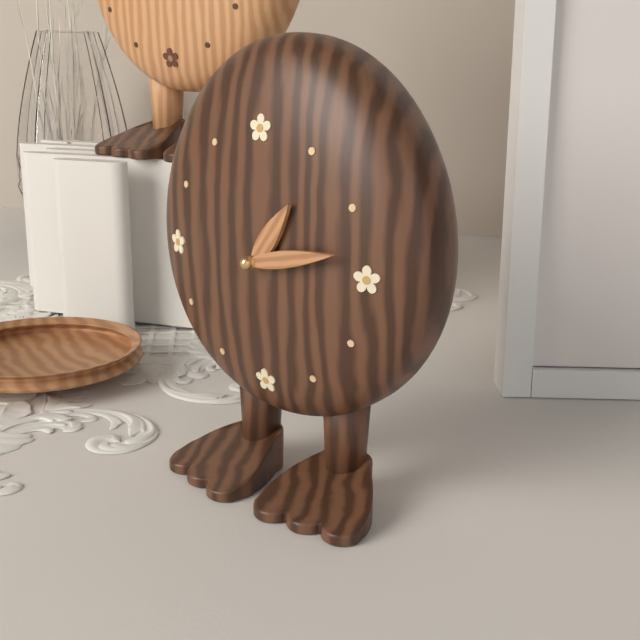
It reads 1h13
